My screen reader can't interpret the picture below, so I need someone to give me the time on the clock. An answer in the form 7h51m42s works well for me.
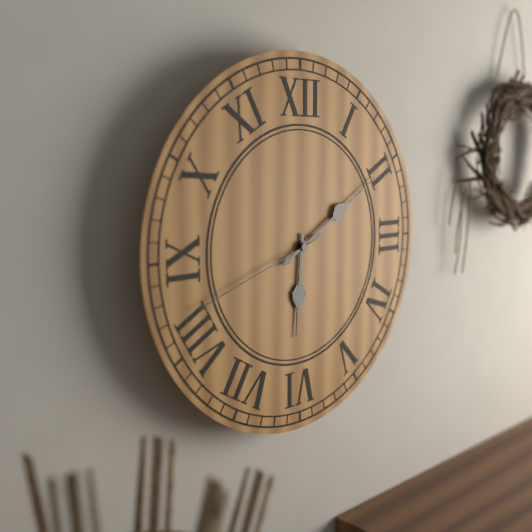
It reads 6h10m42s
